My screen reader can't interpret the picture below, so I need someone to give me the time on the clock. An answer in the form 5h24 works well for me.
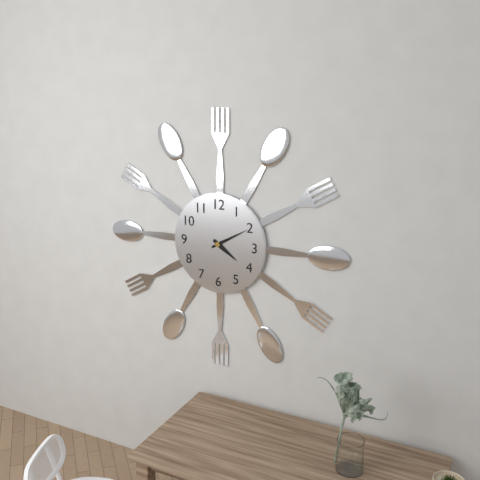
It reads 4h10
